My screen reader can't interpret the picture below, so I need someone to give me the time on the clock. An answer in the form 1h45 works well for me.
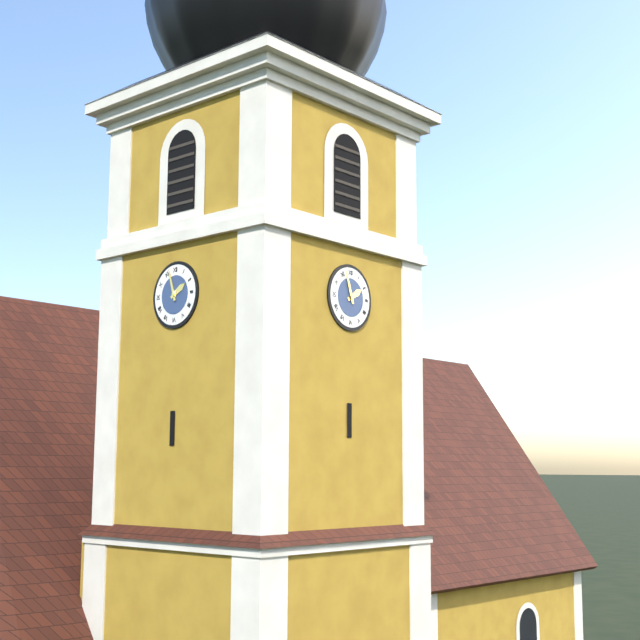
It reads 1h57
